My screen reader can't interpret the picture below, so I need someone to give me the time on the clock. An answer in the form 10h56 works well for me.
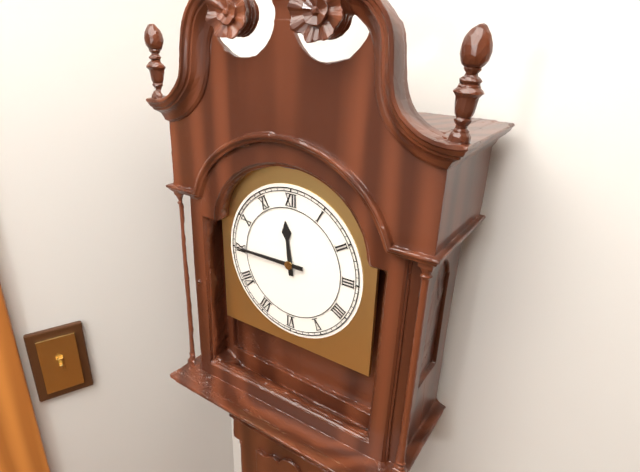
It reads 11h45
